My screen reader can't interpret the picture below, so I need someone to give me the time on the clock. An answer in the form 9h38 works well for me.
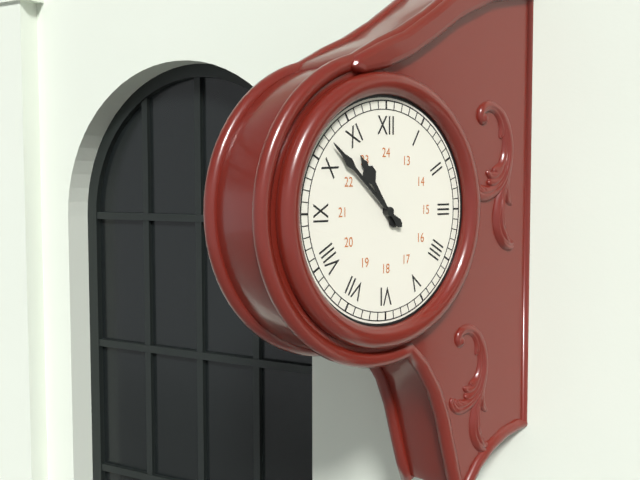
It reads 10h52
